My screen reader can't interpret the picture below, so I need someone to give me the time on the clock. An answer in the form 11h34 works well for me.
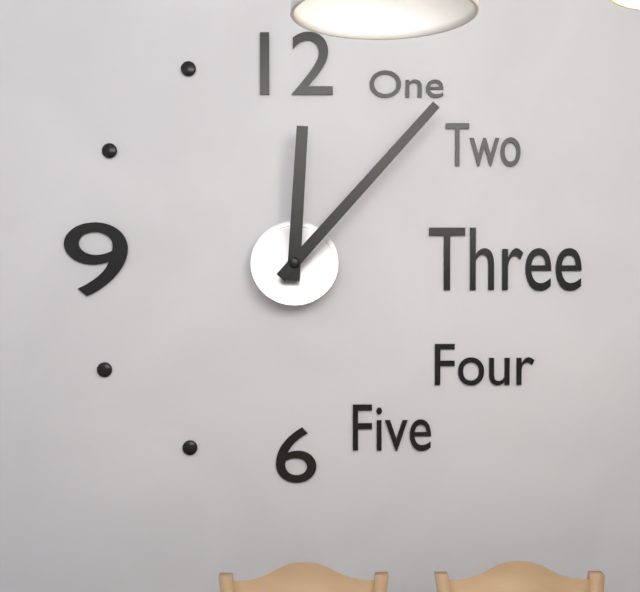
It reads 12h07
